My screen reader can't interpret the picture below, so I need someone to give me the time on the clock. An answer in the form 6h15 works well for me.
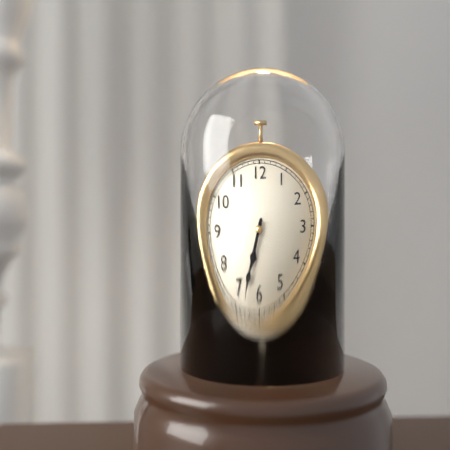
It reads 6h33
